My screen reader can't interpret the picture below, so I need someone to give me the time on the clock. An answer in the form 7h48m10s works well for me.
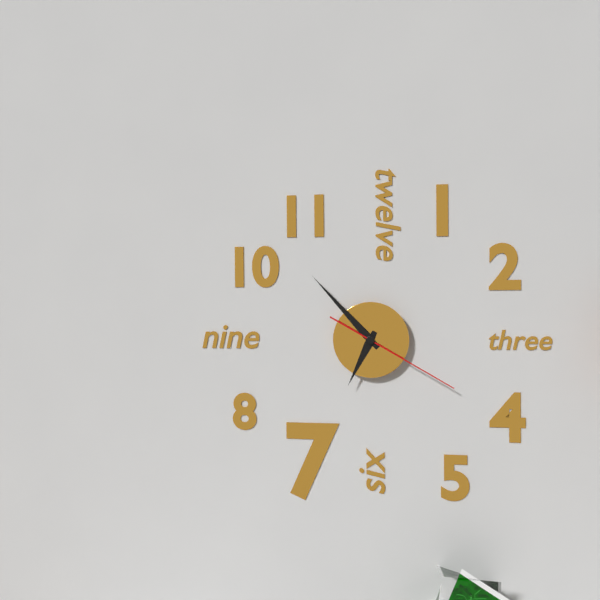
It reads 6h53m20s
